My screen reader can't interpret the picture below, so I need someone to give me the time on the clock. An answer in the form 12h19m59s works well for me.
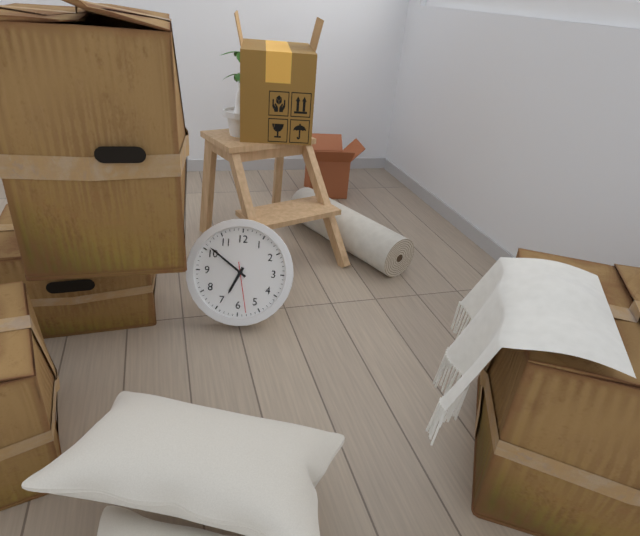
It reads 6h51m28s
